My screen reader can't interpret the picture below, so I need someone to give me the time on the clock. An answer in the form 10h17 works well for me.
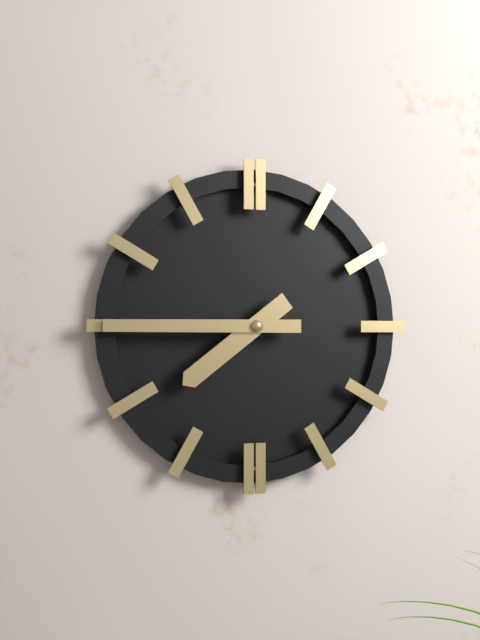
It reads 7h45
